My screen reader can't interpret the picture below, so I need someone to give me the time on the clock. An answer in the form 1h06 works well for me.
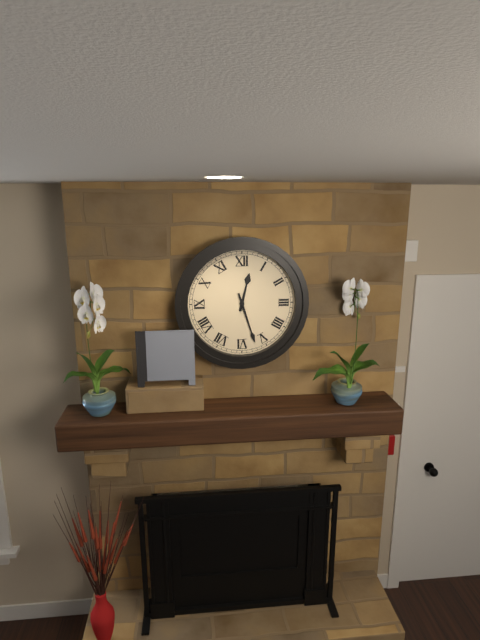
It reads 12h27
